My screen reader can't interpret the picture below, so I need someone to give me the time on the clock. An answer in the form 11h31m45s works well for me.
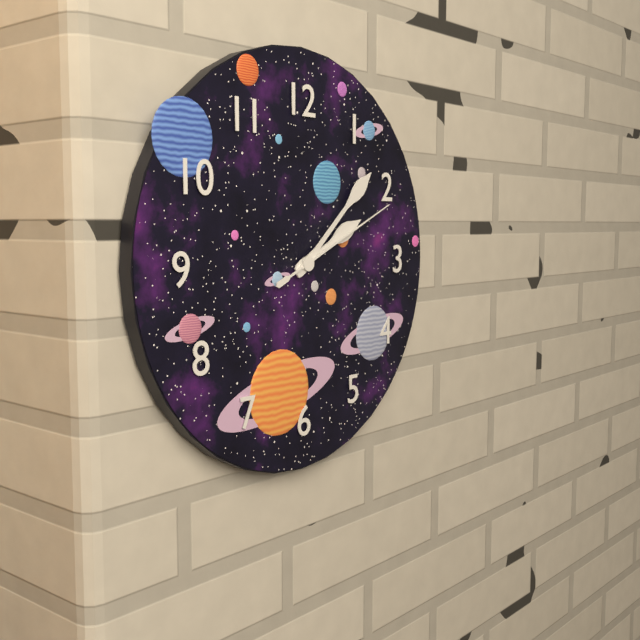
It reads 2h08m11s
